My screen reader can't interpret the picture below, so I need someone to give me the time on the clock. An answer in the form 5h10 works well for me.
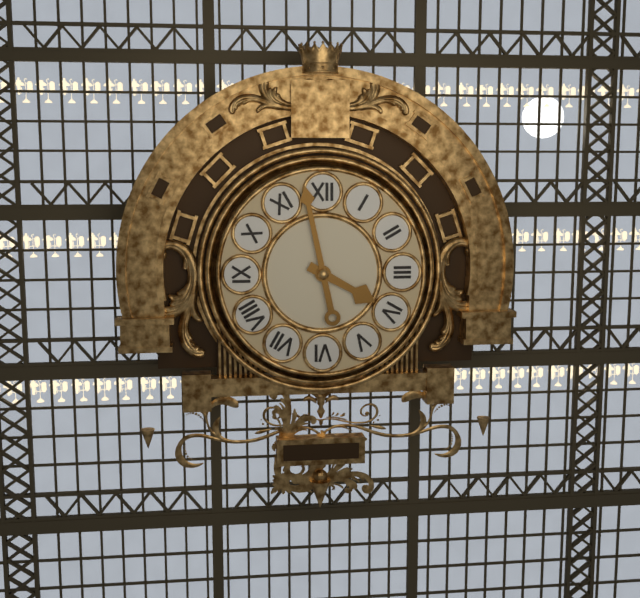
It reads 3h58
